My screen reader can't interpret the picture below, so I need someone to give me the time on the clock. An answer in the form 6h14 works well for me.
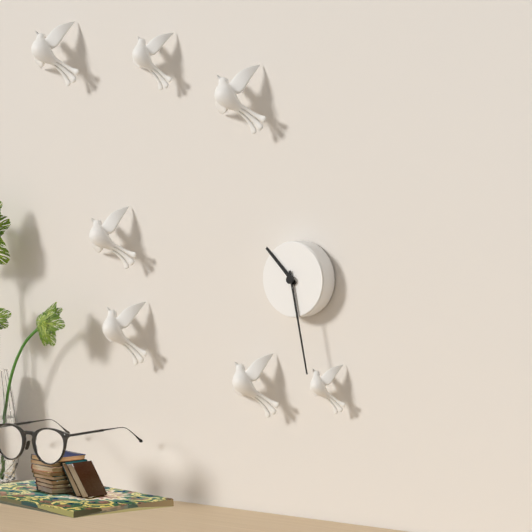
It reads 10h28
